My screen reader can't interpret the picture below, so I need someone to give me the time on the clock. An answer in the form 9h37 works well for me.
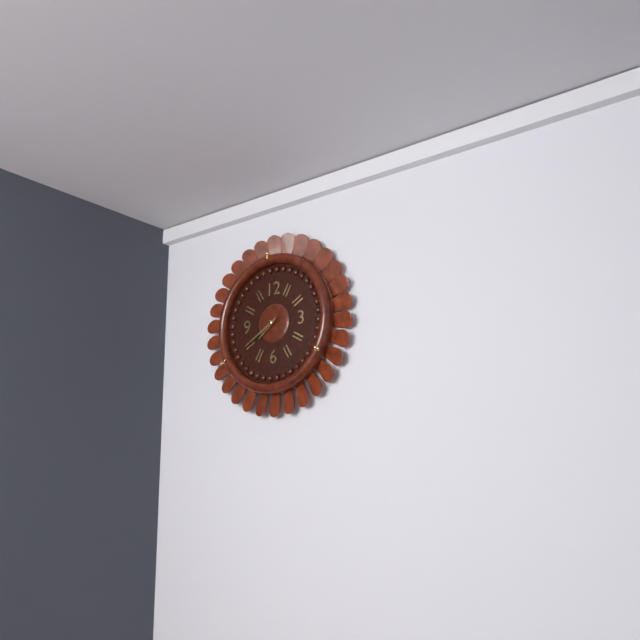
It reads 7h40
